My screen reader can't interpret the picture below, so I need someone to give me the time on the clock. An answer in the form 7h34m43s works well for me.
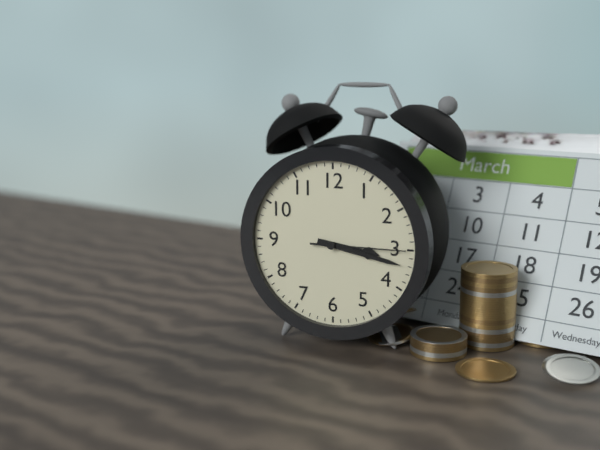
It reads 3h17m15s
